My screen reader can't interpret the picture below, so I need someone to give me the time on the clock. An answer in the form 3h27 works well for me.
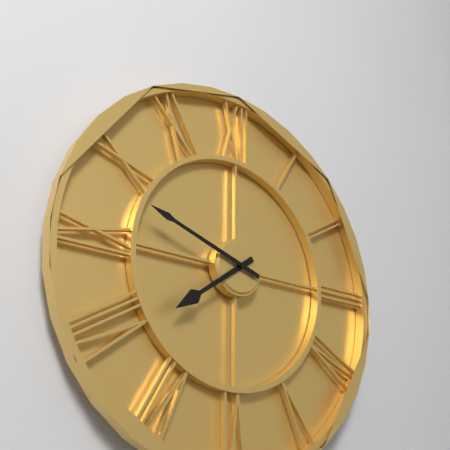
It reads 7h48
